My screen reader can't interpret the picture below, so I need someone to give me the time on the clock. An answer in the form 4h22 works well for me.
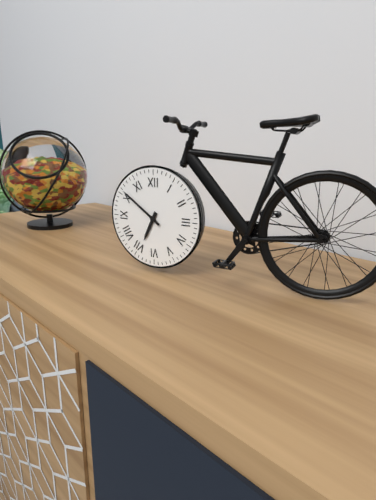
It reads 6h51
